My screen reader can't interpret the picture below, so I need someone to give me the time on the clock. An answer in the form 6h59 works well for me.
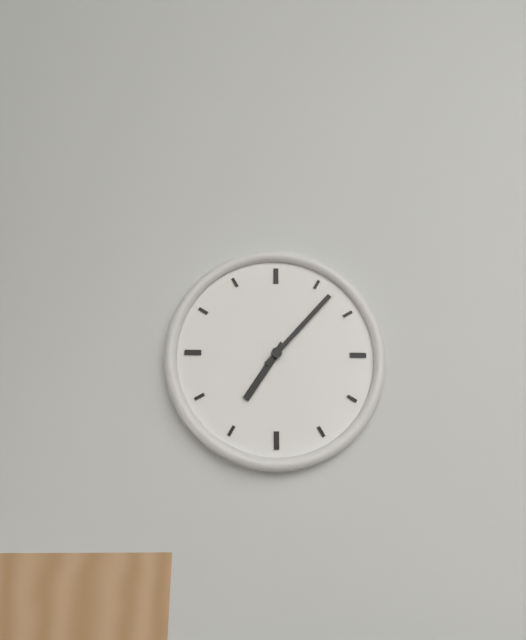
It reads 7h07
